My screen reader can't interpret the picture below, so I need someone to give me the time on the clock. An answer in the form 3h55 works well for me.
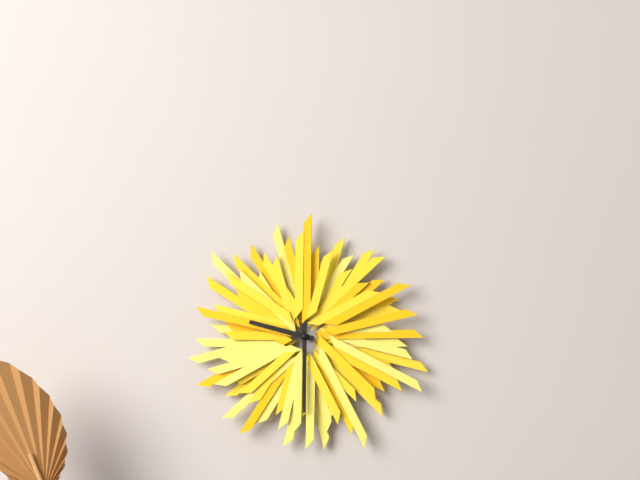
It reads 9h30
